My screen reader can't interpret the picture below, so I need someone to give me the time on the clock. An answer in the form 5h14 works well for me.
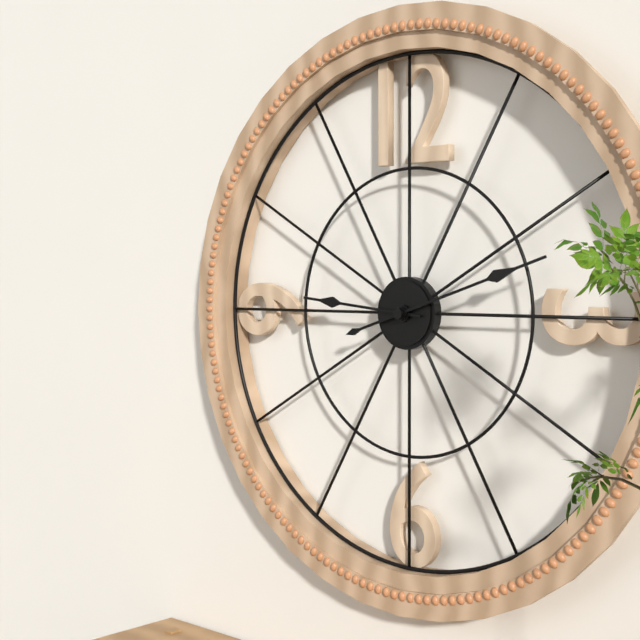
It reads 9h12
